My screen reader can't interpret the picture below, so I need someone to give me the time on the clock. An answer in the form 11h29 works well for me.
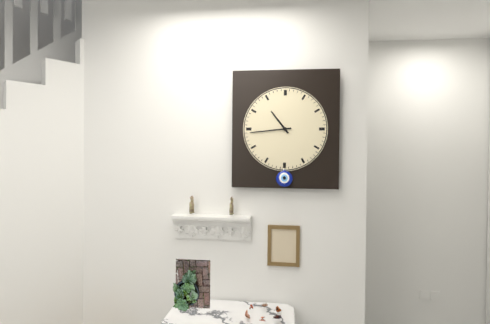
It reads 10h44
